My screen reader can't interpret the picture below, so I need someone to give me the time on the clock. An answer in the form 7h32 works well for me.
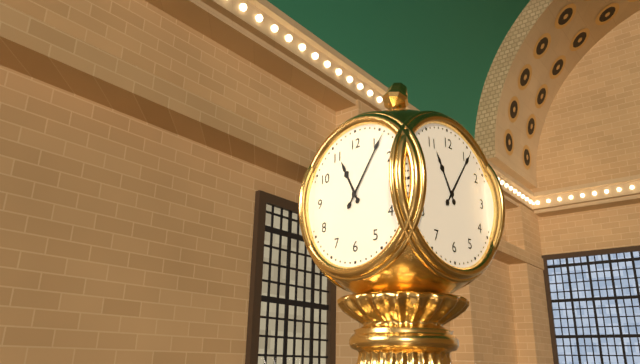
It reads 11h06
